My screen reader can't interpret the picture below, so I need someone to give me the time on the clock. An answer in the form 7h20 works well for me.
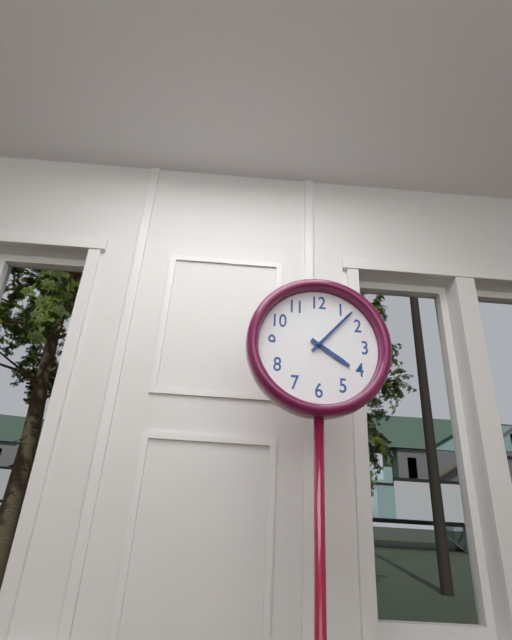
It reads 4h07
